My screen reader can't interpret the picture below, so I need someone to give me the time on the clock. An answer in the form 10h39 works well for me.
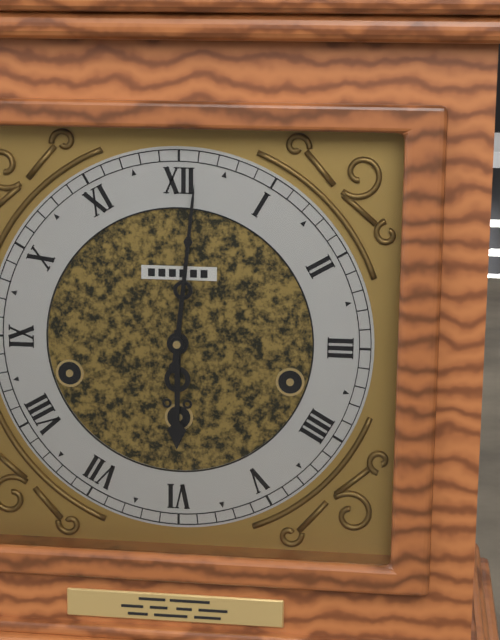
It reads 6h01
